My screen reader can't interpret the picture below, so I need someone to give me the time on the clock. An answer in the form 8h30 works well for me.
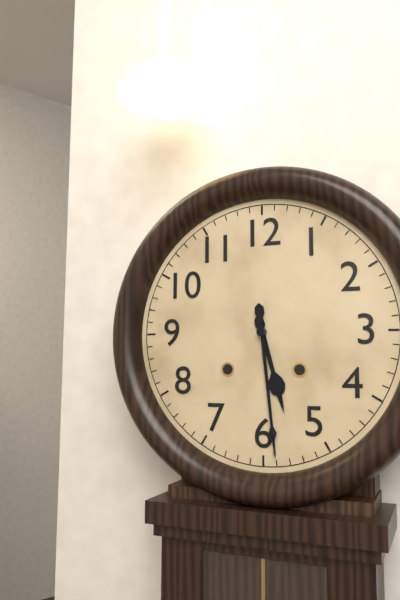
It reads 5h29
